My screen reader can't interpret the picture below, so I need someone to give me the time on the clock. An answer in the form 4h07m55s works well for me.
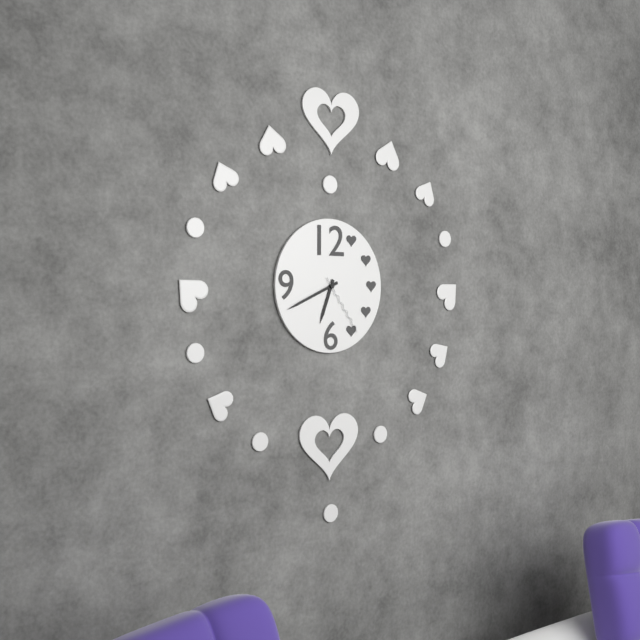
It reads 6h41m24s
